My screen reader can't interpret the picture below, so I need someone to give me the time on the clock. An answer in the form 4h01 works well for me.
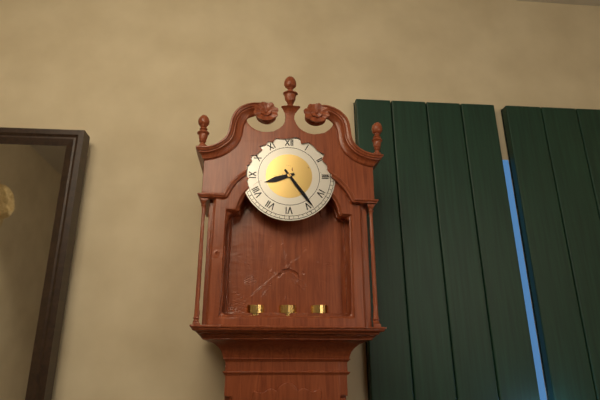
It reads 8h24
